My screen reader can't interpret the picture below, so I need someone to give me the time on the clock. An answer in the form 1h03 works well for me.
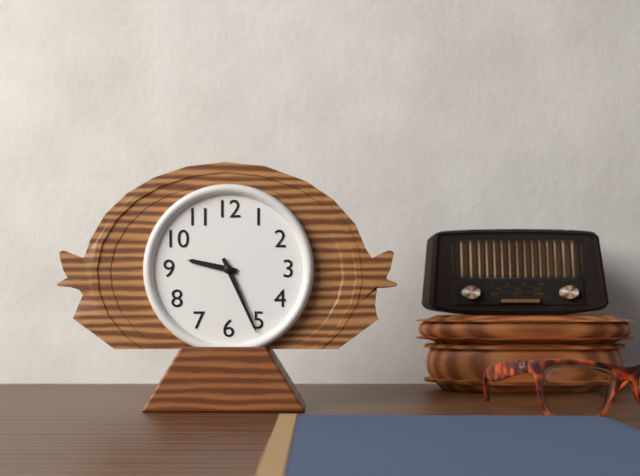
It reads 9h26
